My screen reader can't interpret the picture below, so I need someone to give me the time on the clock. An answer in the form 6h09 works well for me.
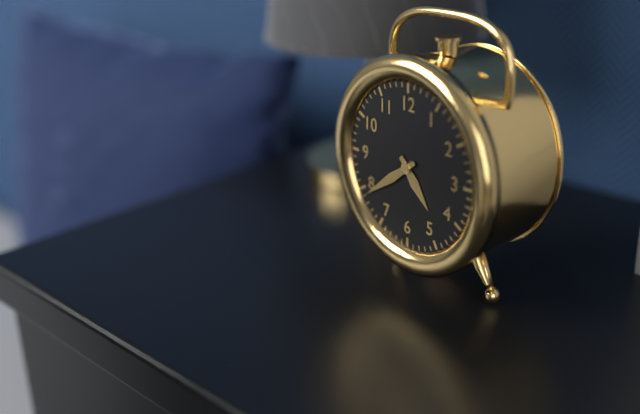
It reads 4h39
